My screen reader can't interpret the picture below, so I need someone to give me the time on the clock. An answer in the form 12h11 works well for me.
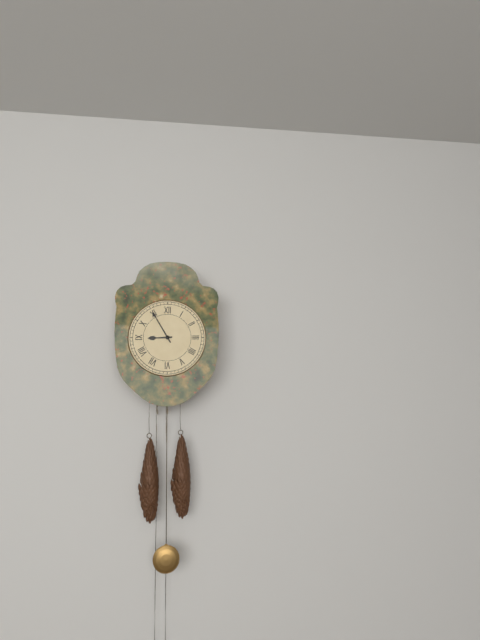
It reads 8h55
